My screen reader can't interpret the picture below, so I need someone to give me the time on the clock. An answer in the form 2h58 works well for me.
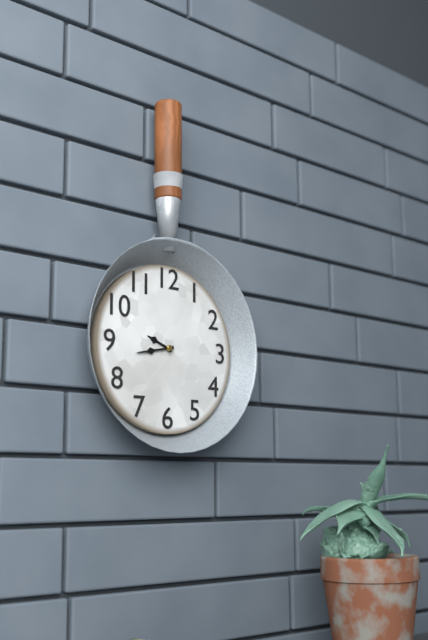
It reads 9h43
